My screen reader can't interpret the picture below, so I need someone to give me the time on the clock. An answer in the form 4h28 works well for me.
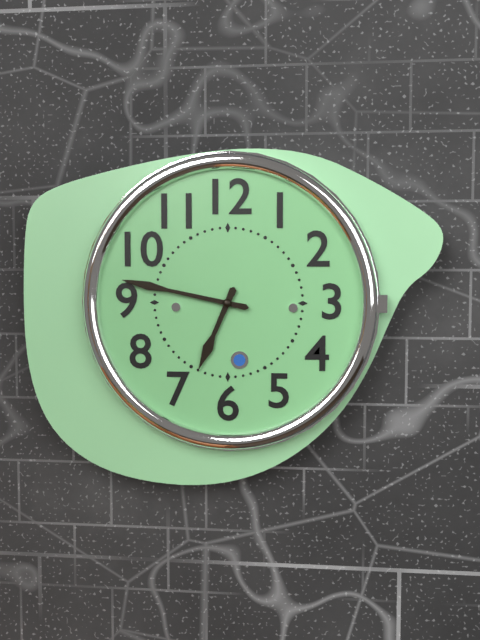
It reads 6h47
